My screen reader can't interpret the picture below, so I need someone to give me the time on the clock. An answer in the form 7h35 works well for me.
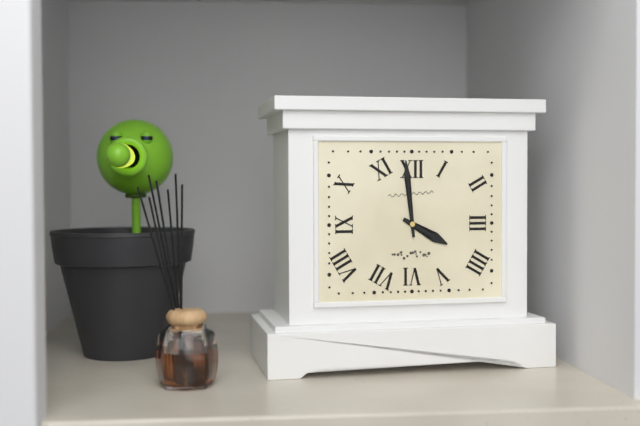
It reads 3h59
